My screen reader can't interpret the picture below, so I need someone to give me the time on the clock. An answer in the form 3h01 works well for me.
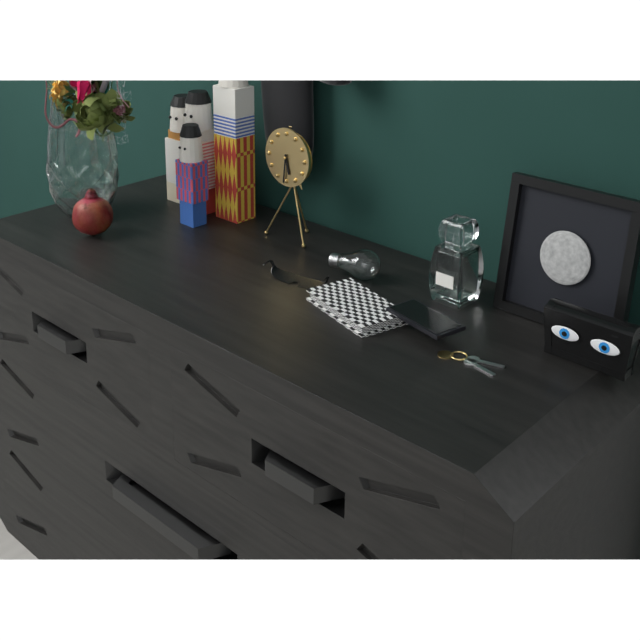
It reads 5h31
